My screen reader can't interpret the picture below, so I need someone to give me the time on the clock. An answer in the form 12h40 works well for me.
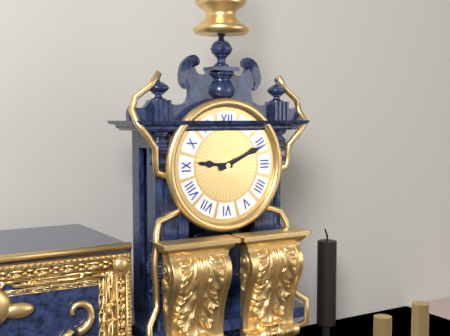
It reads 9h11
